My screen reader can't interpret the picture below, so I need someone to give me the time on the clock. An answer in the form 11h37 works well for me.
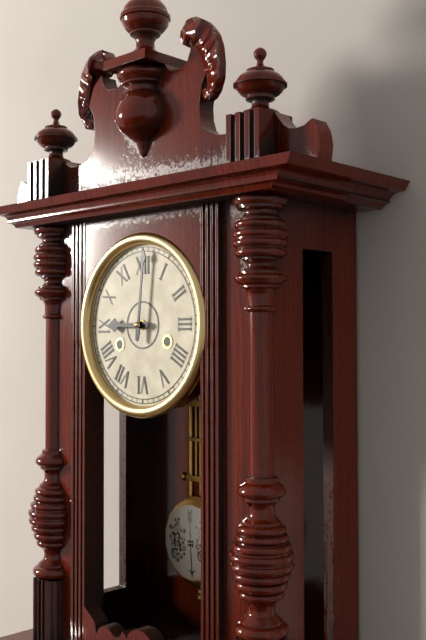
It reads 9h01
